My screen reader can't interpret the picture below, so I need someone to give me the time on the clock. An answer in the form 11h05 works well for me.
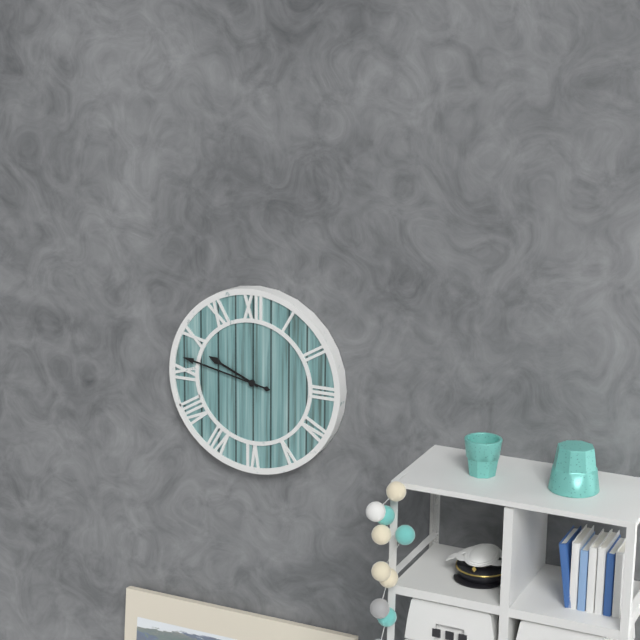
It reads 9h47
